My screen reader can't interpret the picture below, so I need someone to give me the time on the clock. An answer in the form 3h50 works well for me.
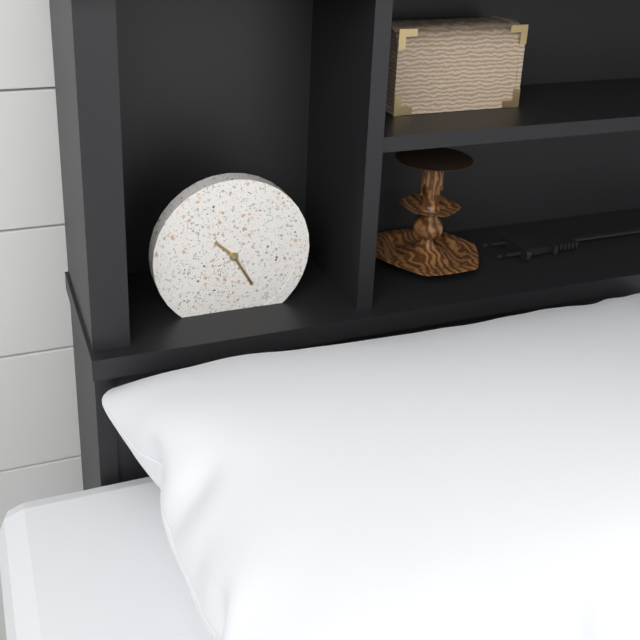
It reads 10h25
